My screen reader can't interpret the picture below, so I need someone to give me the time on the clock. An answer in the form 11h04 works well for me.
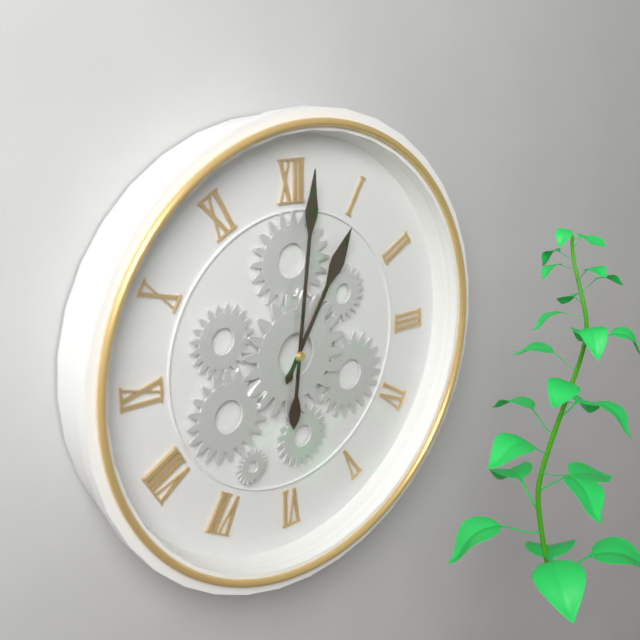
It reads 1h01
